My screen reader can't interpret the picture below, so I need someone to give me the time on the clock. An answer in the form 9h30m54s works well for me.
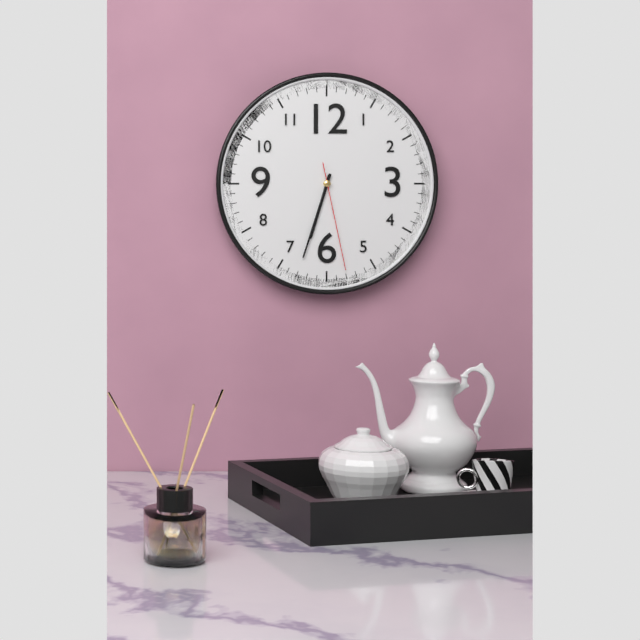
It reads 6h33m28s
